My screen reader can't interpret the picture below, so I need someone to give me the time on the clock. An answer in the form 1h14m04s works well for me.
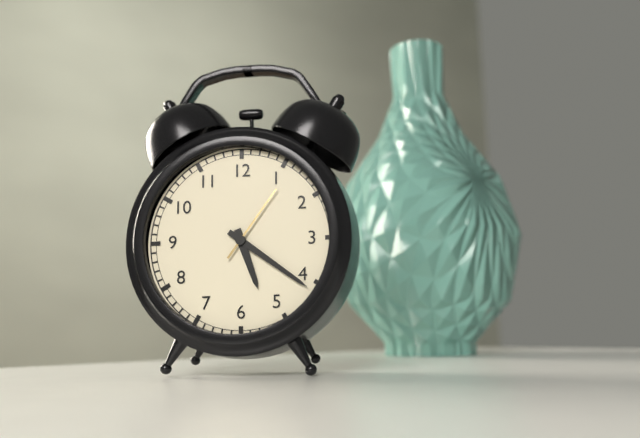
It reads 5h21m06s
